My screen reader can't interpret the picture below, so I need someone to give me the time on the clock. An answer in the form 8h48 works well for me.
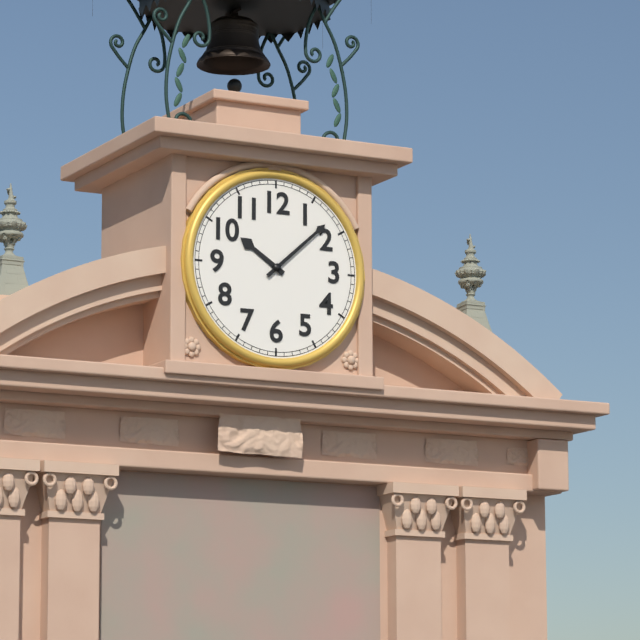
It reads 10h08
